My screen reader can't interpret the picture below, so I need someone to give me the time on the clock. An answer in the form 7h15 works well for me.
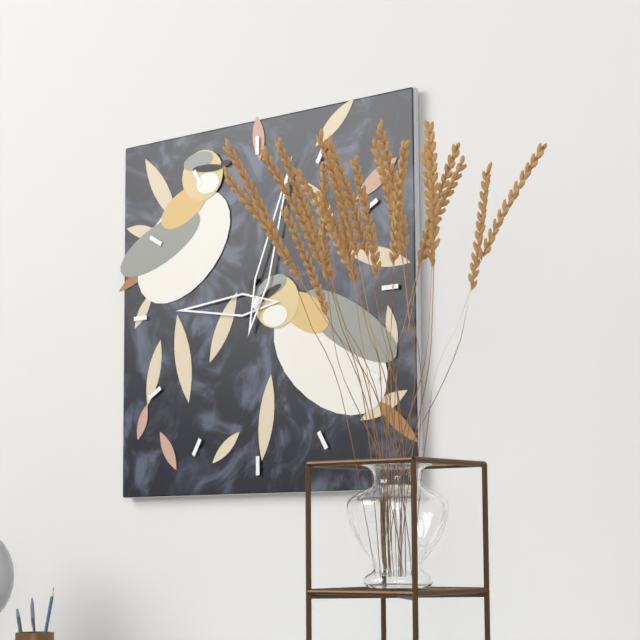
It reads 9h03
